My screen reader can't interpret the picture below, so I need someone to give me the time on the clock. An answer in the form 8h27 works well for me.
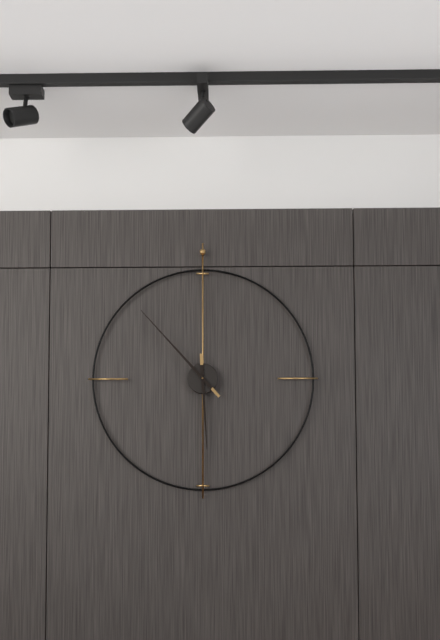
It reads 5h53
